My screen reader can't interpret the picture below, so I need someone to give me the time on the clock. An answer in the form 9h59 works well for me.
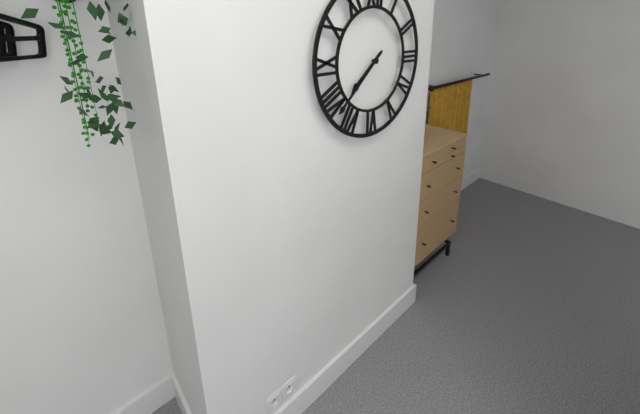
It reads 7h38
